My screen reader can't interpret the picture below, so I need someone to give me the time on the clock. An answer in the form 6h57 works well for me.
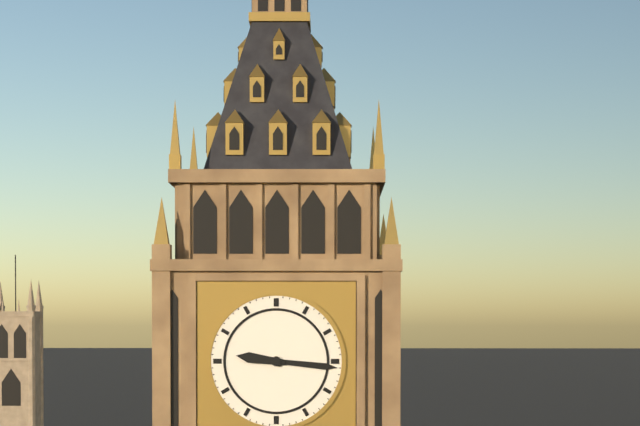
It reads 9h16
